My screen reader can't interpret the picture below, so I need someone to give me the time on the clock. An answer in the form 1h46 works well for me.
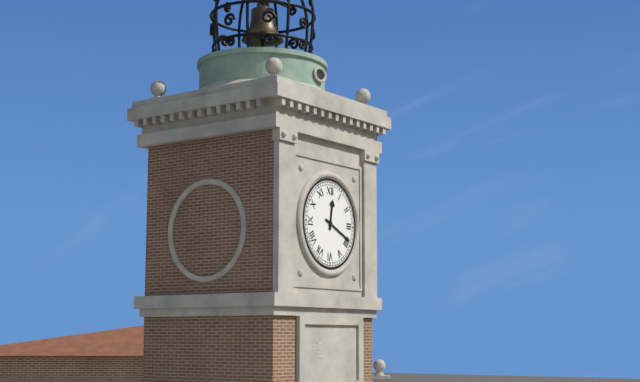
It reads 12h19
